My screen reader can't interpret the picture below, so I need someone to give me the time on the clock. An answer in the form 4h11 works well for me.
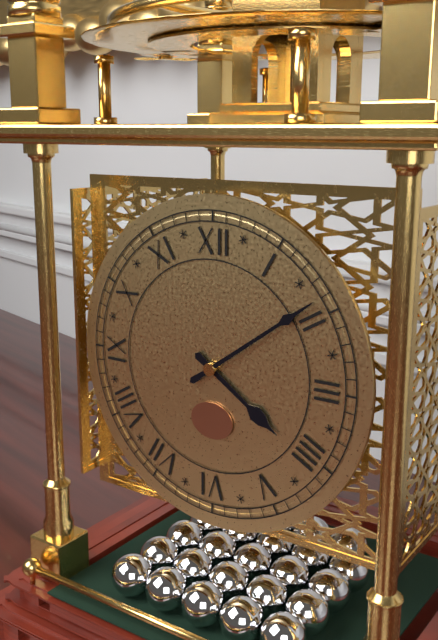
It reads 4h09
